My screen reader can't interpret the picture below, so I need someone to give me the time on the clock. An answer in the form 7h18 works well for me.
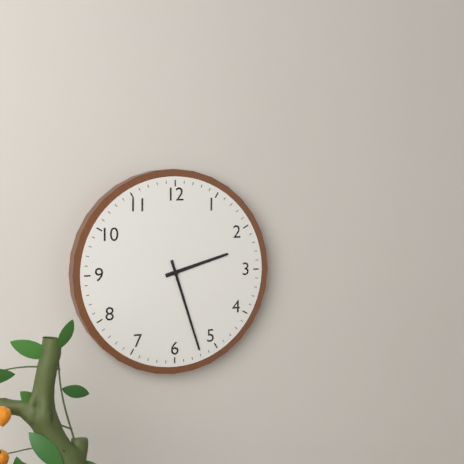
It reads 2h27
